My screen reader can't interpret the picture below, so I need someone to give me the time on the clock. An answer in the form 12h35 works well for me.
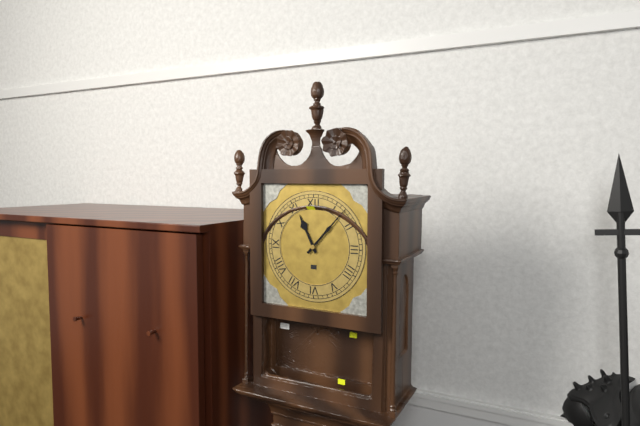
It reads 11h07
